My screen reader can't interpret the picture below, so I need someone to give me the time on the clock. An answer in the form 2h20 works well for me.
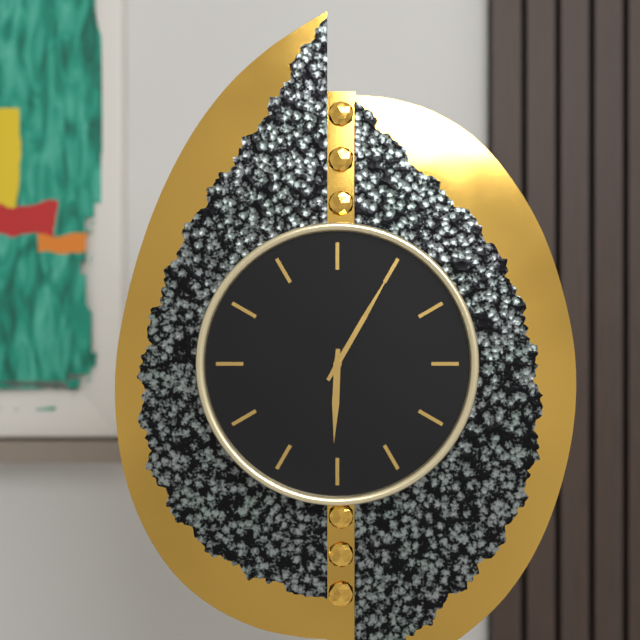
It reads 6h05
